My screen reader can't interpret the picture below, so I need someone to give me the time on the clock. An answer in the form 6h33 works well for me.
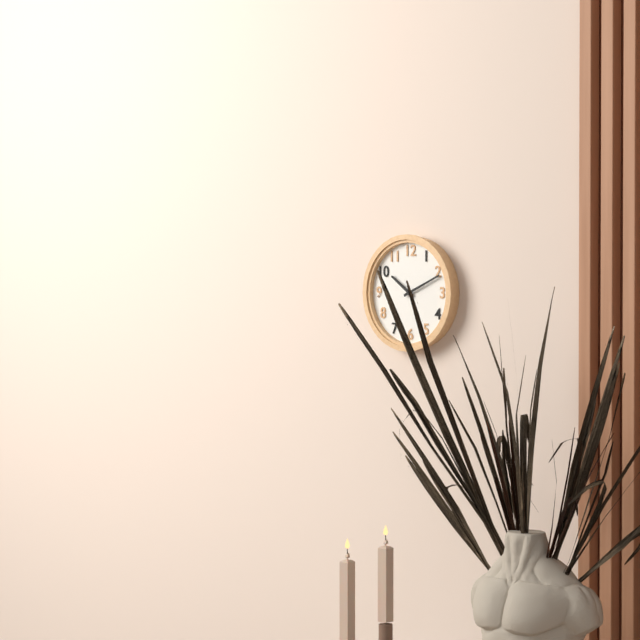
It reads 10h11
